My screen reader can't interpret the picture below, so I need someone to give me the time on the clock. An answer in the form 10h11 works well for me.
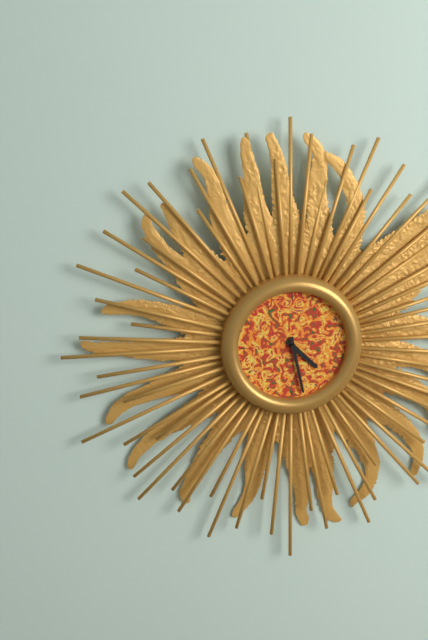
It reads 4h28
